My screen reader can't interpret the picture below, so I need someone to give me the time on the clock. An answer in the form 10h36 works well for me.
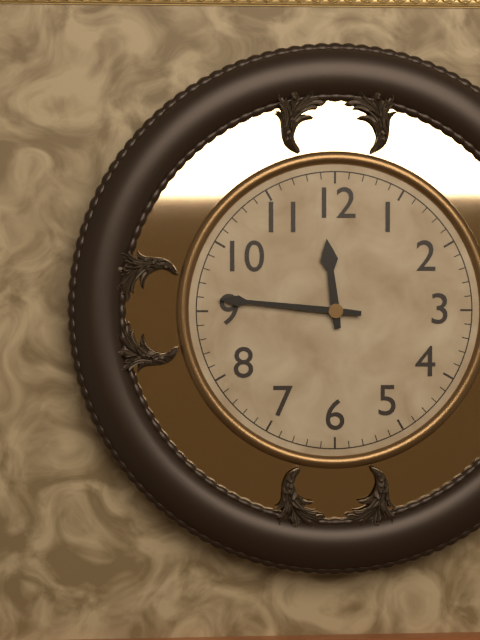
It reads 11h46
